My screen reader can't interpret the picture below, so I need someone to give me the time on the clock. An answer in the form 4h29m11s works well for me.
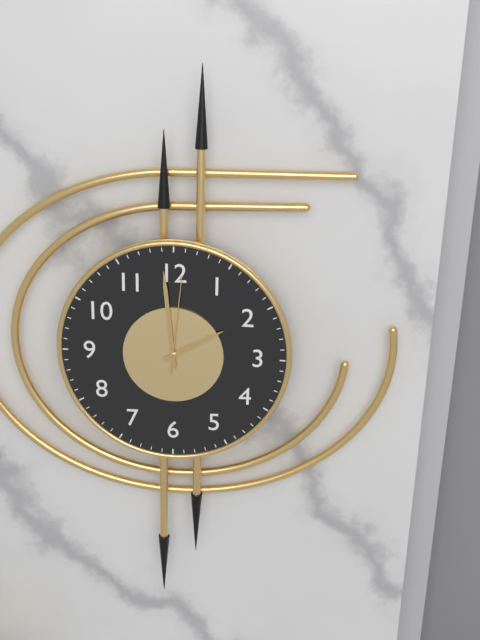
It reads 1h59m01s
